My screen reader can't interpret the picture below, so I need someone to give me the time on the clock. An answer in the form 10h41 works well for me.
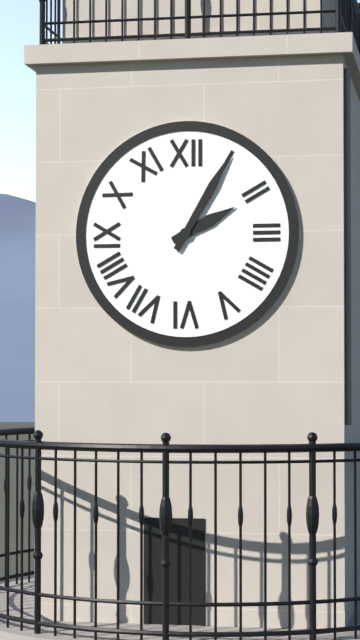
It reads 2h05
